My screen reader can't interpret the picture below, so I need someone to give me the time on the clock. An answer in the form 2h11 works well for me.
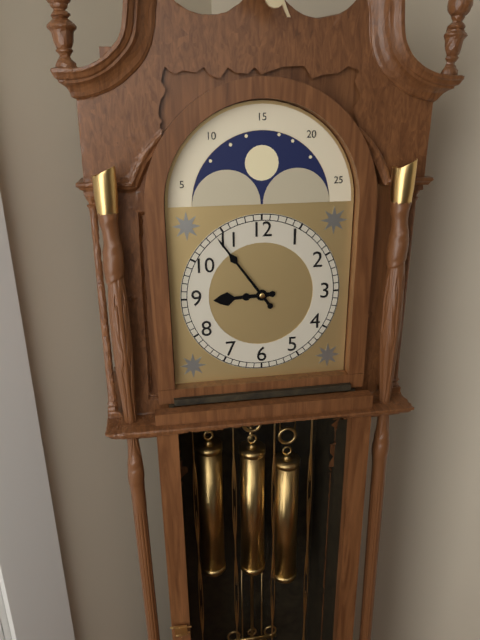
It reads 8h54
